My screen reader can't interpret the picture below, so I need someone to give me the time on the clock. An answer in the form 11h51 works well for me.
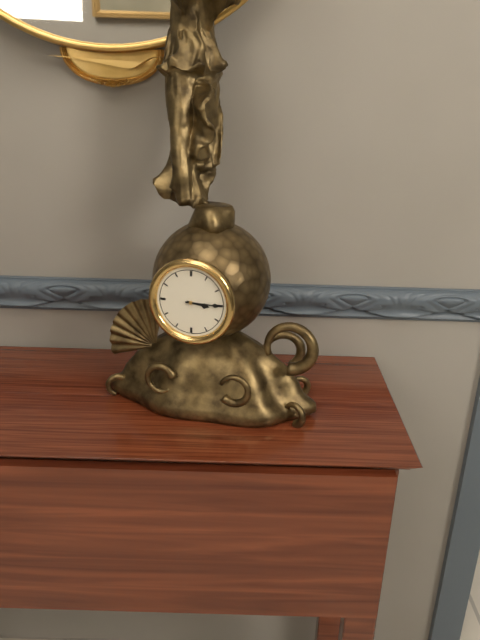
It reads 3h15
